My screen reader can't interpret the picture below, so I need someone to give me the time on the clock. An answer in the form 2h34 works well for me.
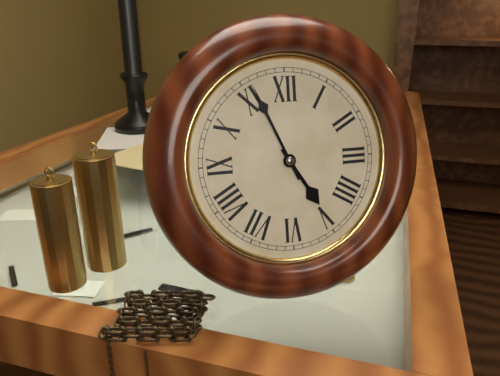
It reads 4h56
